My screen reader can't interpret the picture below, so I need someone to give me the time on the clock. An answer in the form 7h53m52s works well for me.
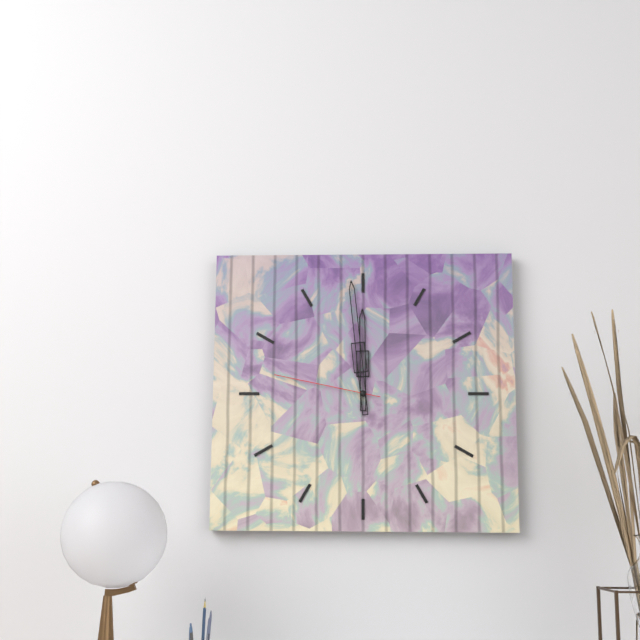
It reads 11h59m47s
